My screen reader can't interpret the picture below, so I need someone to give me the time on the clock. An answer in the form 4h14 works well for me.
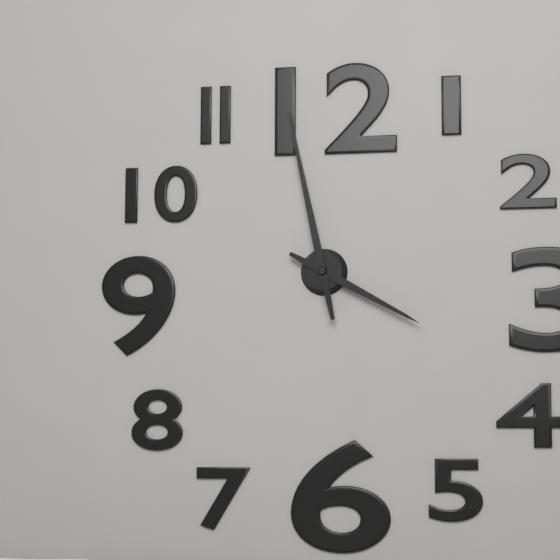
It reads 3h58
